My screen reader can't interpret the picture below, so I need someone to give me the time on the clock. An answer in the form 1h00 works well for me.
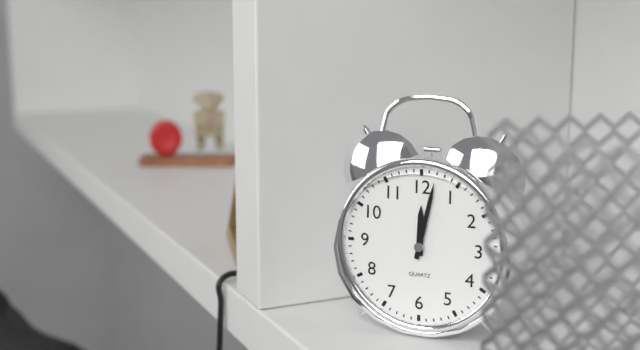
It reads 12h02
